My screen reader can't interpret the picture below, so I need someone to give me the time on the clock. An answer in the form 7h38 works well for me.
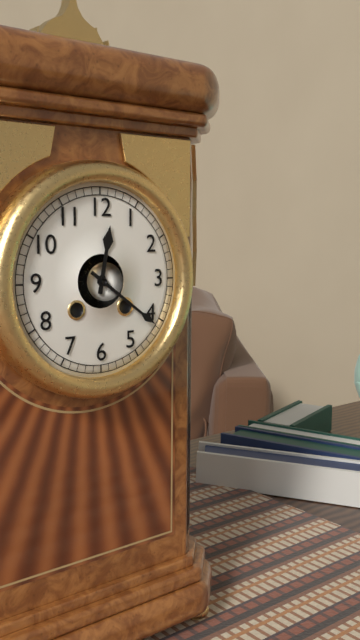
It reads 12h21
